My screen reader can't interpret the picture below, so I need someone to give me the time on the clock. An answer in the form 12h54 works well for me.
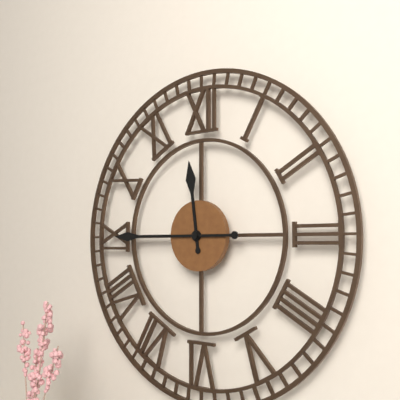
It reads 11h45
